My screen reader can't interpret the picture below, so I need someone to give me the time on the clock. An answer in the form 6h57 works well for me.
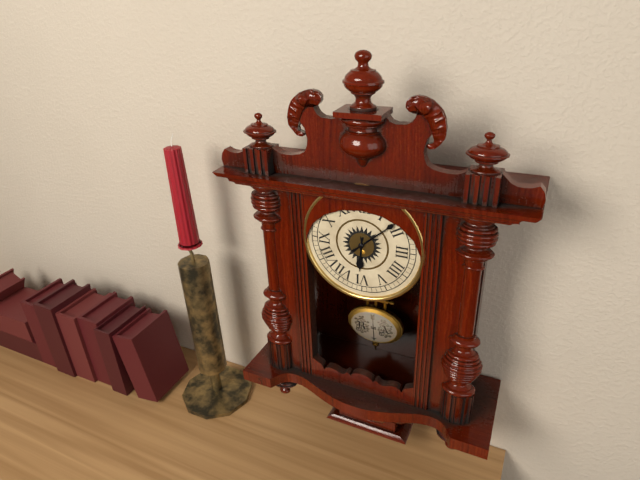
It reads 6h08
